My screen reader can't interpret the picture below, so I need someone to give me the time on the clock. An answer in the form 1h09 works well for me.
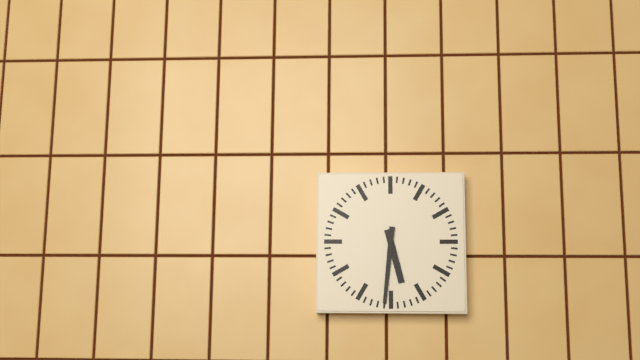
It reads 5h31
